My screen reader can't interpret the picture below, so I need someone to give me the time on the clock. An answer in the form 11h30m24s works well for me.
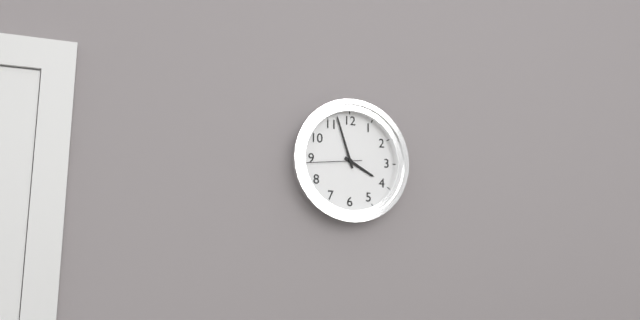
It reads 3h57m44s
